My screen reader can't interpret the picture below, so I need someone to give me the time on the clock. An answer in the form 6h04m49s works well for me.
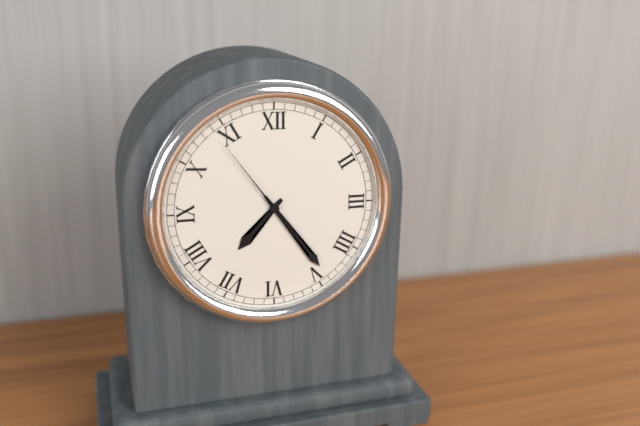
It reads 7h24m54s
